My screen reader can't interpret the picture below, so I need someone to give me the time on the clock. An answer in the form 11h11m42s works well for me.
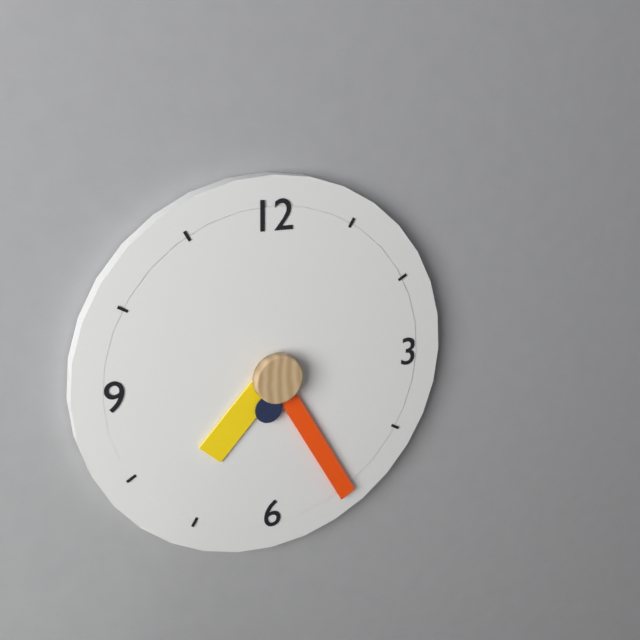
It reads 7h25m32s
